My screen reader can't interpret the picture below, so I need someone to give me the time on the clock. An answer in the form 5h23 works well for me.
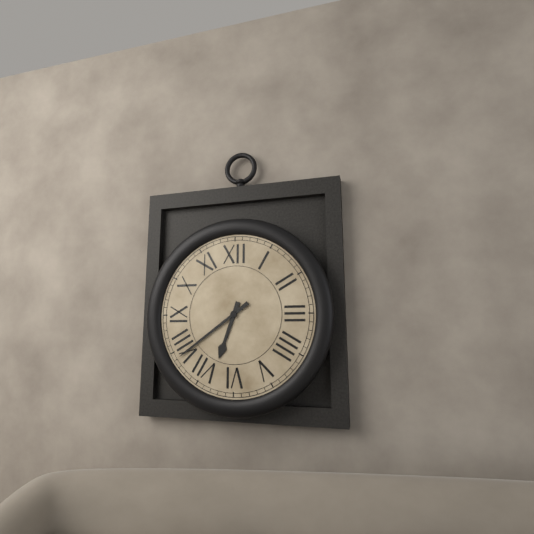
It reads 6h39
